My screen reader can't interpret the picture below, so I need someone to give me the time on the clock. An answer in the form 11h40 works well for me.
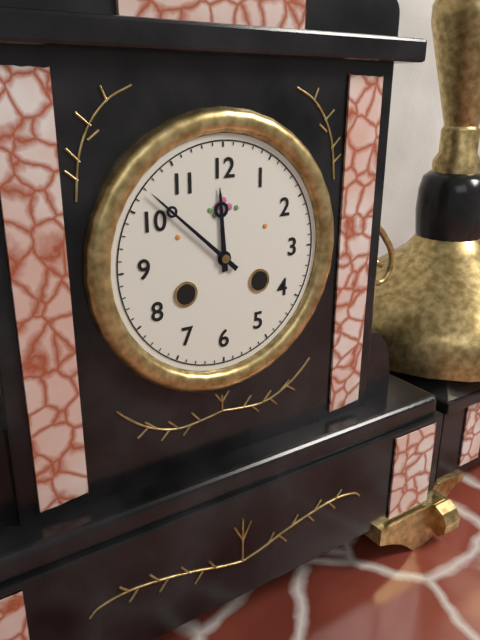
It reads 11h52
